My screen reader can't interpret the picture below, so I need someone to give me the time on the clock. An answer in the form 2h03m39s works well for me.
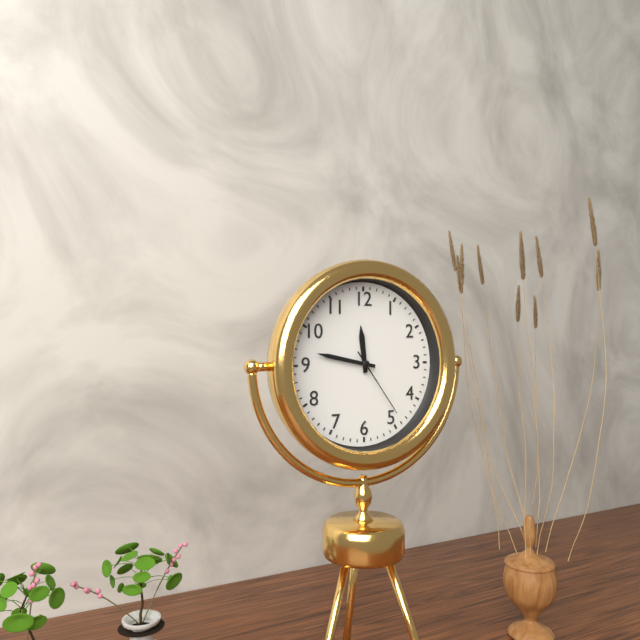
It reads 11h47m24s
